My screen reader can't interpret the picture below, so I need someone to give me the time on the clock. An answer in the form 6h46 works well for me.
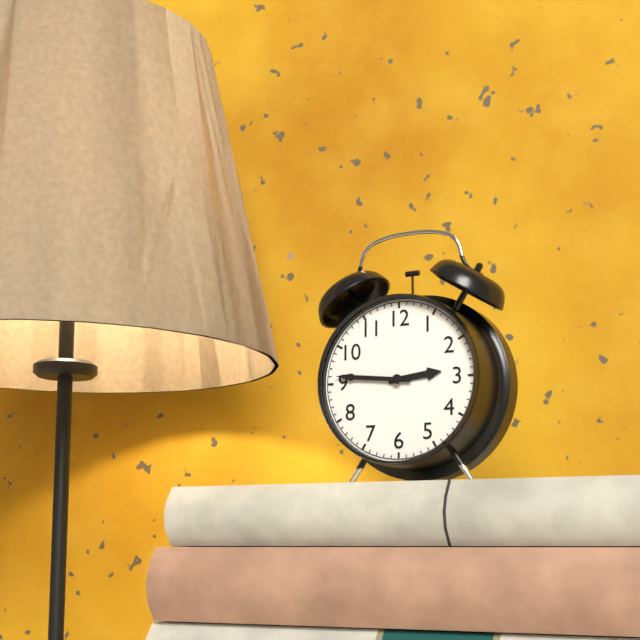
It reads 2h46
